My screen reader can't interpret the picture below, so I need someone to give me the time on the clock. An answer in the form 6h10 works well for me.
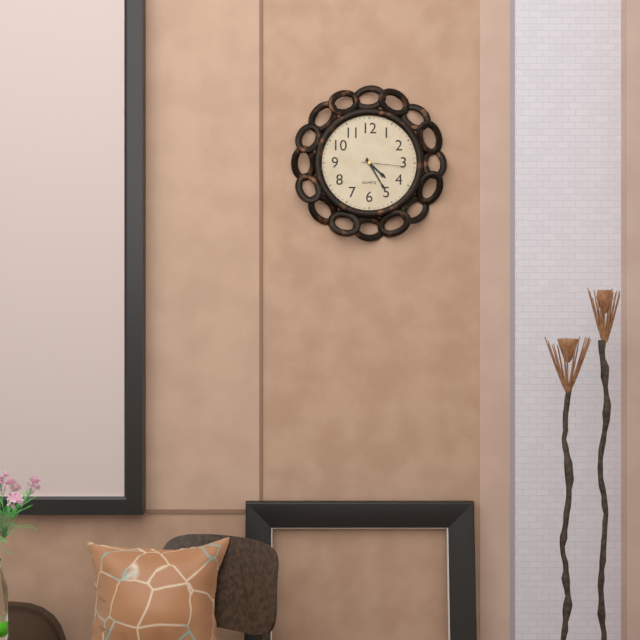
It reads 4h25
